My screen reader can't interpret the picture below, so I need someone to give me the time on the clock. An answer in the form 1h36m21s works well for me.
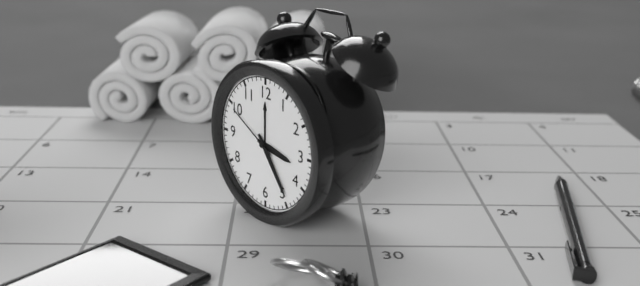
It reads 3h24m50s
